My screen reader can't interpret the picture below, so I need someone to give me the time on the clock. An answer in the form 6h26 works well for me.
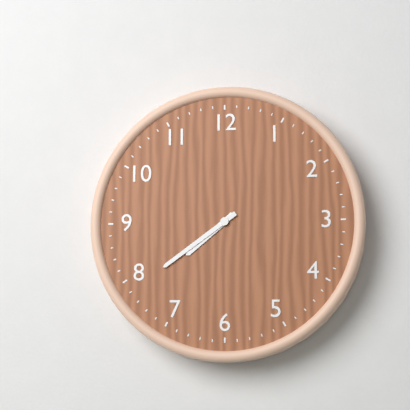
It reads 7h39
